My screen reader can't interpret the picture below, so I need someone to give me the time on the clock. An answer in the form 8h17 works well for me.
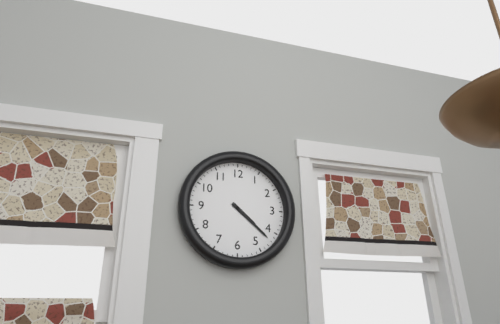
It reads 4h22
